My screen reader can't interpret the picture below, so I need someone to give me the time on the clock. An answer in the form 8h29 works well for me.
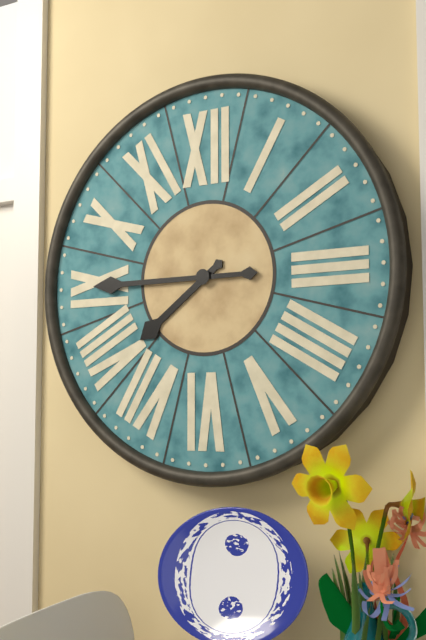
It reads 7h45
